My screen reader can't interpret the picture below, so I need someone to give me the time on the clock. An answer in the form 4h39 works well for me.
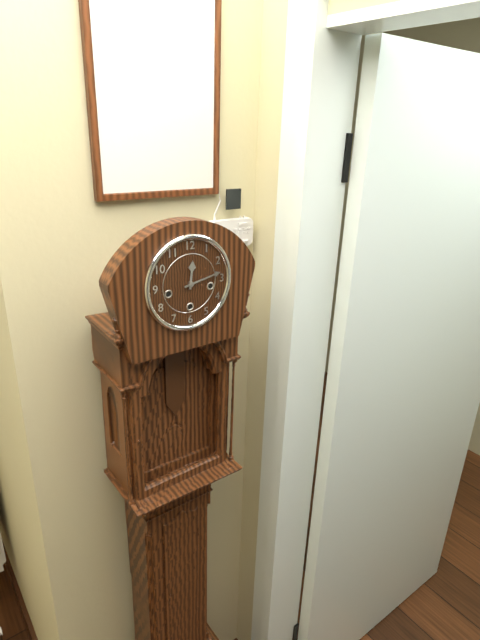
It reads 12h13
